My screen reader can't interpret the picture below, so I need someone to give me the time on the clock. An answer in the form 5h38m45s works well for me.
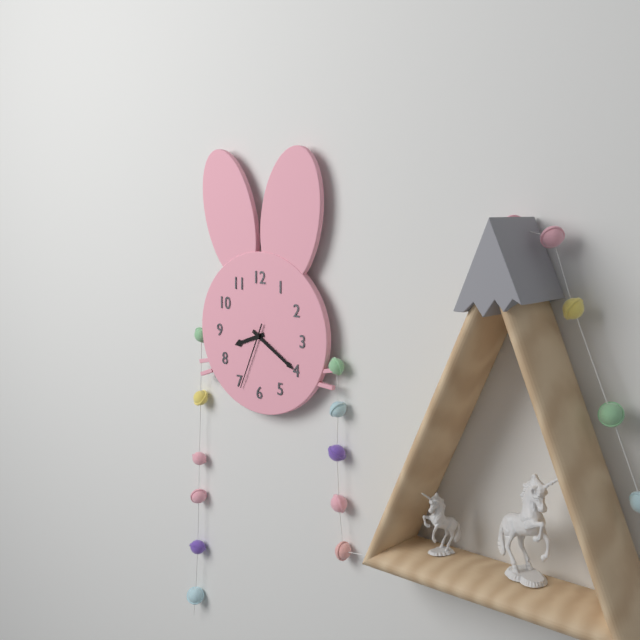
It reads 8h20m34s
